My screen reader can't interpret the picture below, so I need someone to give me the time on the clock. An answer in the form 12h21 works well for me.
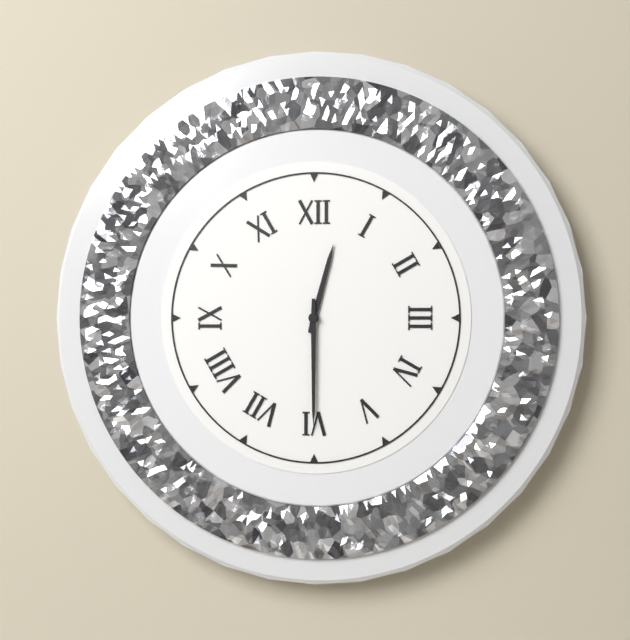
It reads 12h30
